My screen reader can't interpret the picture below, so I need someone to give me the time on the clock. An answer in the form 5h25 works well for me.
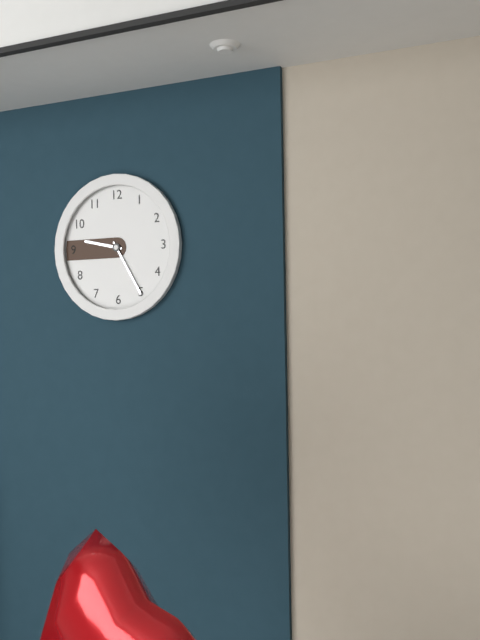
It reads 9h25
